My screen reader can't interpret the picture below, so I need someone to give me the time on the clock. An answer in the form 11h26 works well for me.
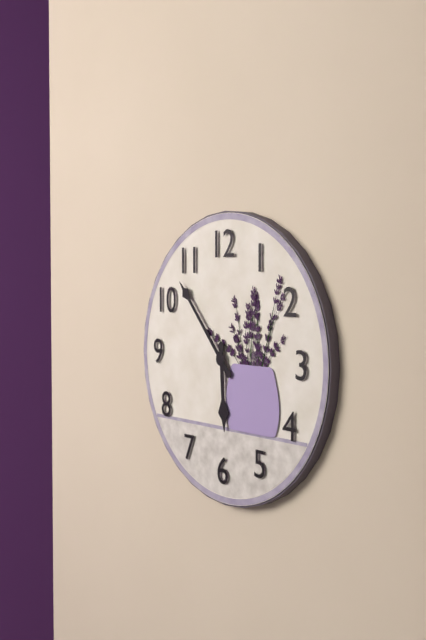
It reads 5h53
